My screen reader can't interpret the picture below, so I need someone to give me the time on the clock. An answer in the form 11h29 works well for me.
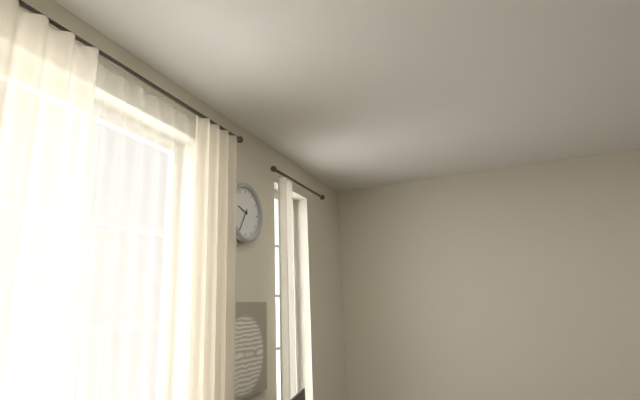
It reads 9h35
